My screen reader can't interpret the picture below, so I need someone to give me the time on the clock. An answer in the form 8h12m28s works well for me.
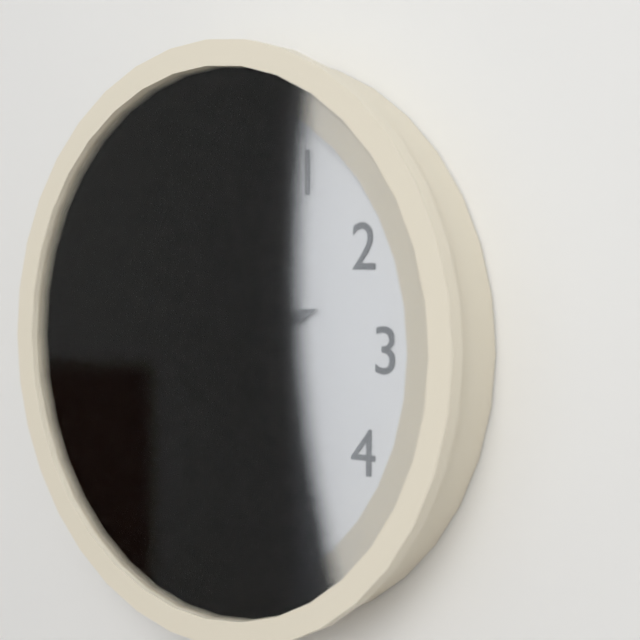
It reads 2h24m57s
